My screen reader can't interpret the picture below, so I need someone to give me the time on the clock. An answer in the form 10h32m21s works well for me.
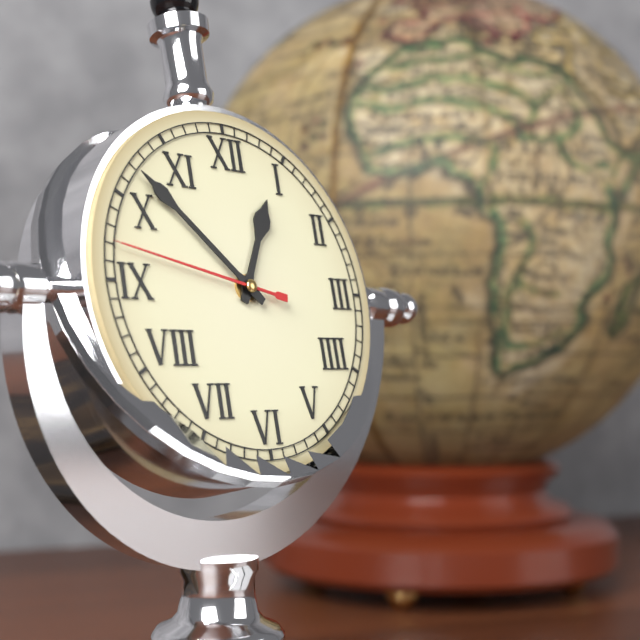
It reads 12h52m47s
